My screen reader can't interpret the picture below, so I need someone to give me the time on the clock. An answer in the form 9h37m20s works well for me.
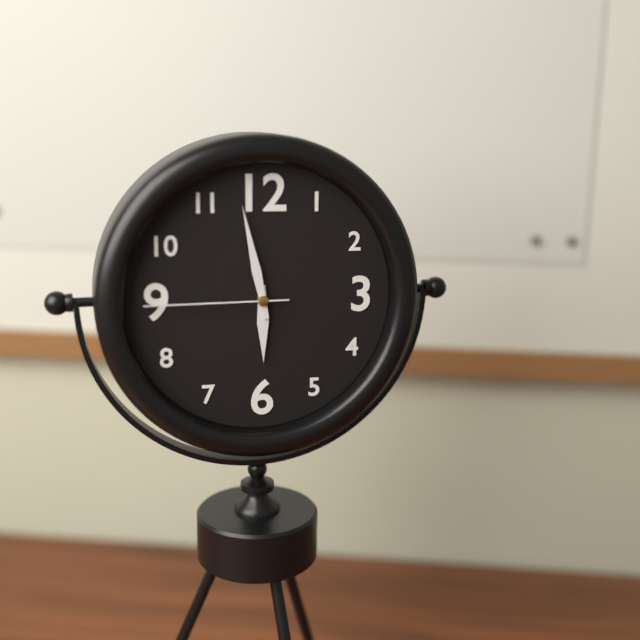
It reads 5h58m45s
